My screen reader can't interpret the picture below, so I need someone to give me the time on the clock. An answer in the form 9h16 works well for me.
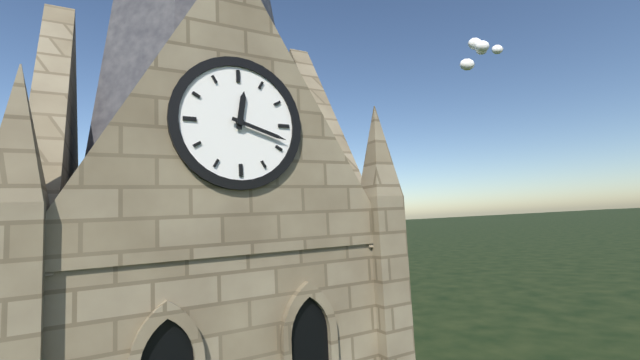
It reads 12h18
